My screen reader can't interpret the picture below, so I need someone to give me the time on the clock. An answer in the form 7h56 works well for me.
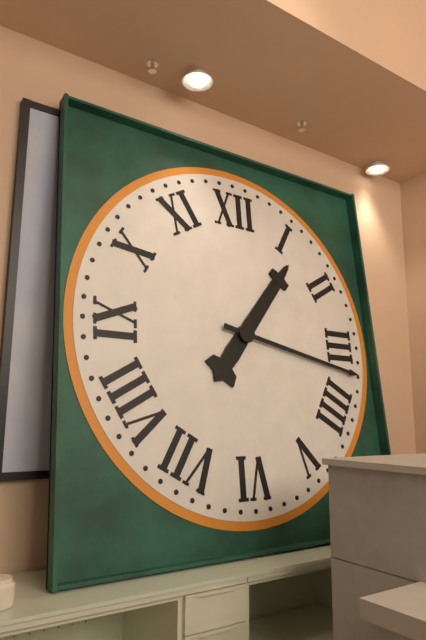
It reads 1h17
